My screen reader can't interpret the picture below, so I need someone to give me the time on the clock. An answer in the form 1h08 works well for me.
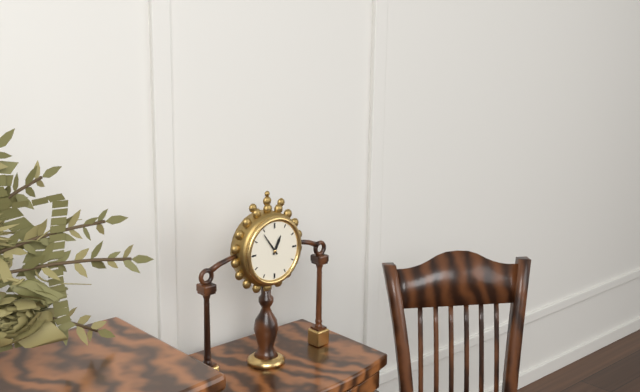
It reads 12h54
